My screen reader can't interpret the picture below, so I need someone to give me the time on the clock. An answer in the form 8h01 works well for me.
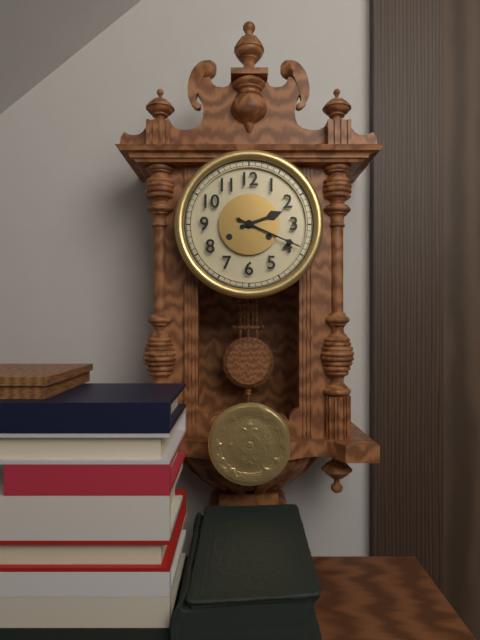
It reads 2h19
